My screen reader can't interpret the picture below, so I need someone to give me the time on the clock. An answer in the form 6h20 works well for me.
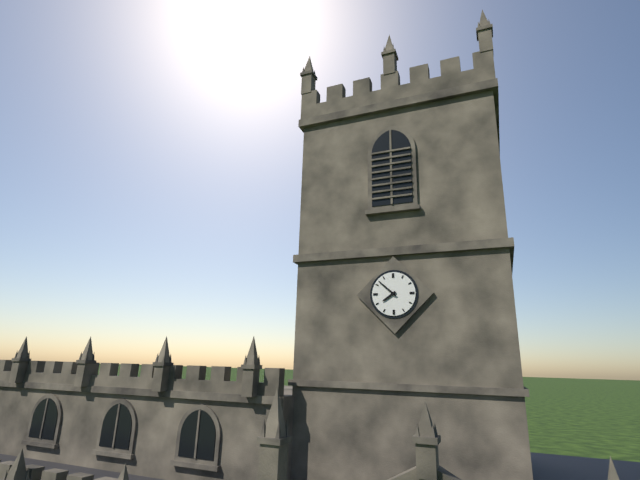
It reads 7h52
